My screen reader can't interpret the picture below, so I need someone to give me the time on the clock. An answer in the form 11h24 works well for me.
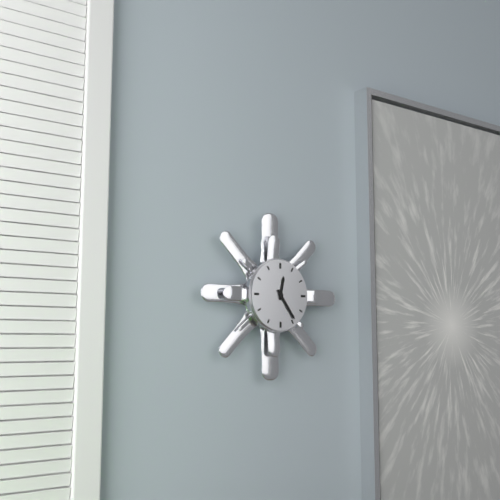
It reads 12h24
